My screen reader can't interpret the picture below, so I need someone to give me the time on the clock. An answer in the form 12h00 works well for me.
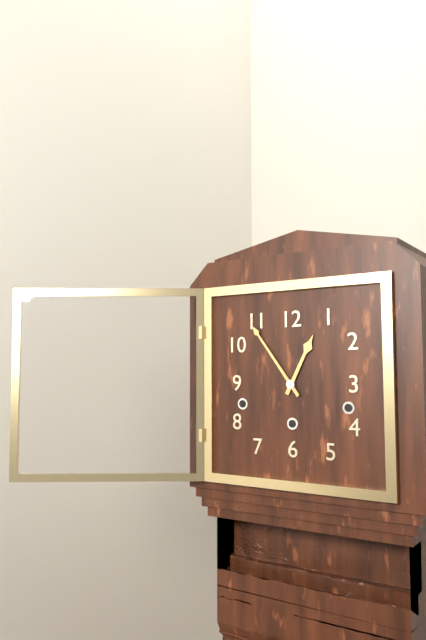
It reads 12h54
